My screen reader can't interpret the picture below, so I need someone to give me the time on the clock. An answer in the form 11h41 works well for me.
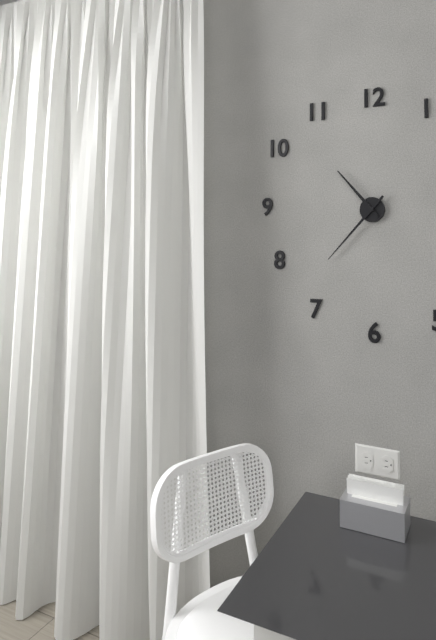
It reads 10h37
